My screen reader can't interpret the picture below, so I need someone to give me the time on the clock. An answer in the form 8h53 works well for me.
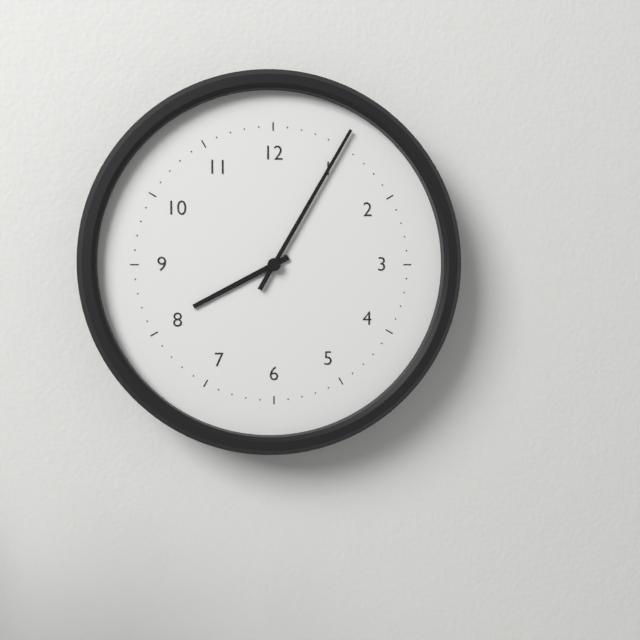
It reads 8h05
